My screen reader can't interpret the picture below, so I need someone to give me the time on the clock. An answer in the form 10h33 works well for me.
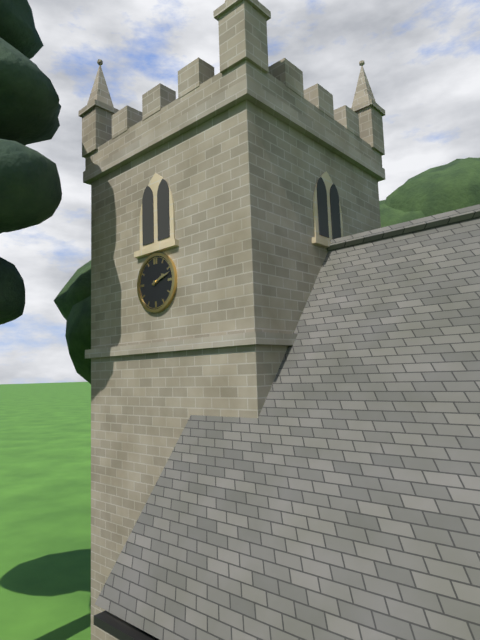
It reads 2h12
